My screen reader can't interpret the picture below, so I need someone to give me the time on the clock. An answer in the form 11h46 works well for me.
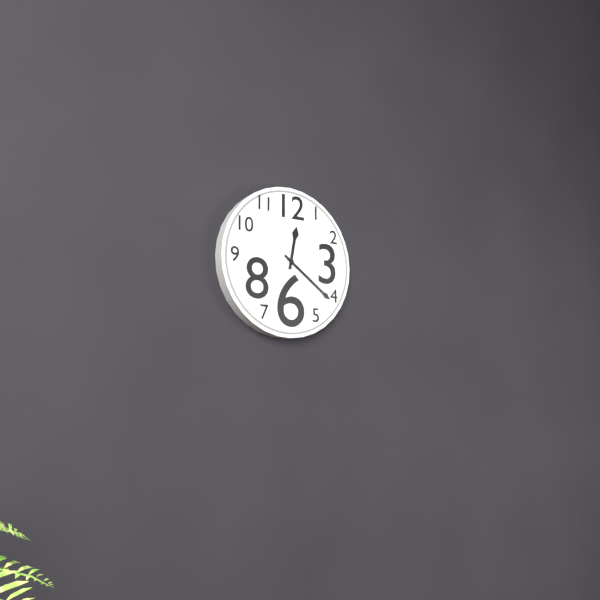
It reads 12h21
